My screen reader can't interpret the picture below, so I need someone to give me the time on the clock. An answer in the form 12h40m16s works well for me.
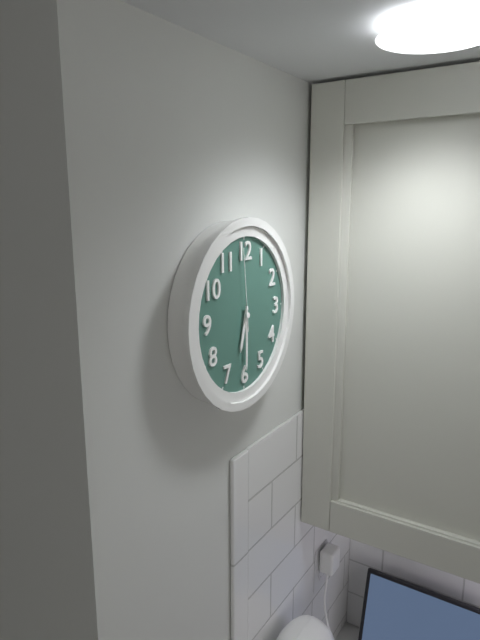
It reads 6h30m59s
